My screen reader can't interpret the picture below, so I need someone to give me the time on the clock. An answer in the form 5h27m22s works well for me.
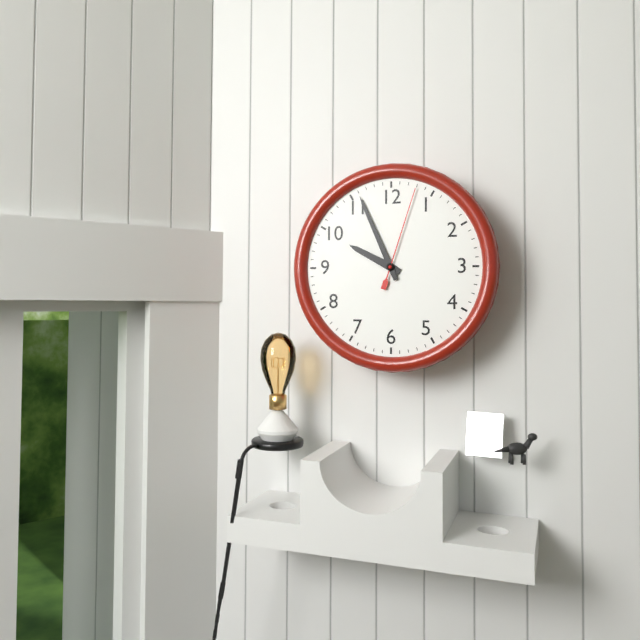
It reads 9h56m03s
